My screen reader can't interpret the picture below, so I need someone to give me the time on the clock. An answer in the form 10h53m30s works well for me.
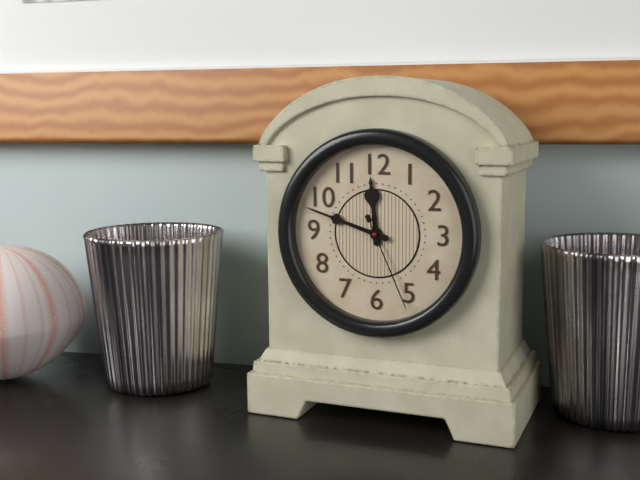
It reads 11h48m26s
